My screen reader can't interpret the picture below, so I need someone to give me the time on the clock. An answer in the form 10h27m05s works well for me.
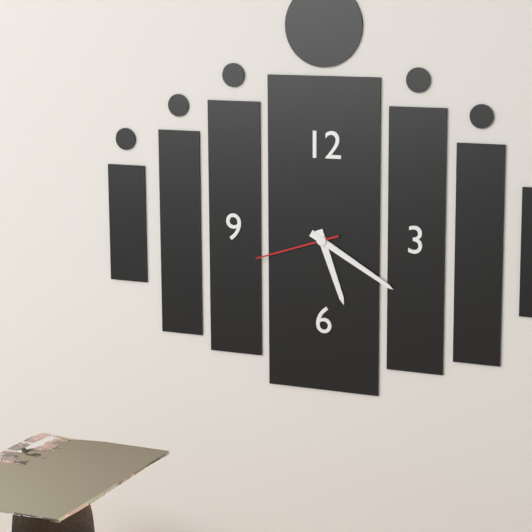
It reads 5h20m42s
